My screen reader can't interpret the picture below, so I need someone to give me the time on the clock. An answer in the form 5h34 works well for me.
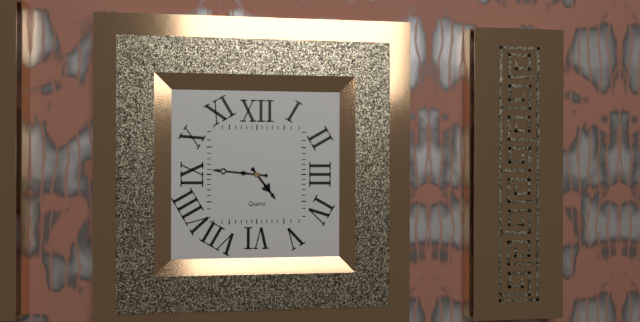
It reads 4h46
